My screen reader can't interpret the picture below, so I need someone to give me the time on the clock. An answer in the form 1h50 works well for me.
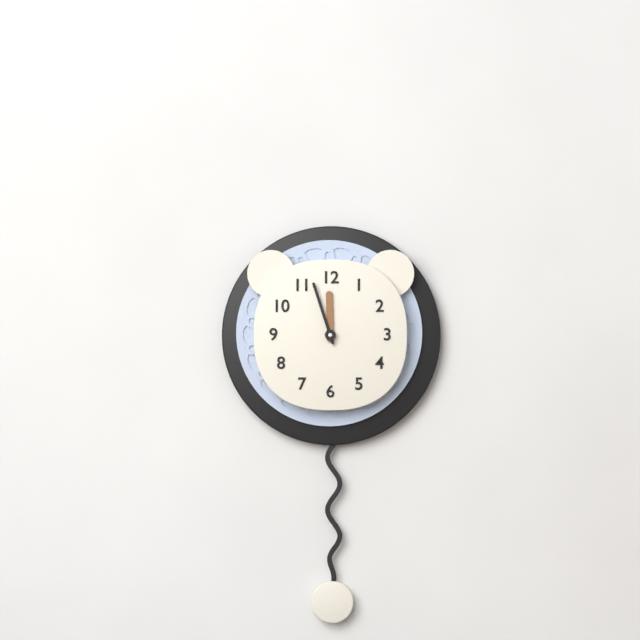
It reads 11h57
